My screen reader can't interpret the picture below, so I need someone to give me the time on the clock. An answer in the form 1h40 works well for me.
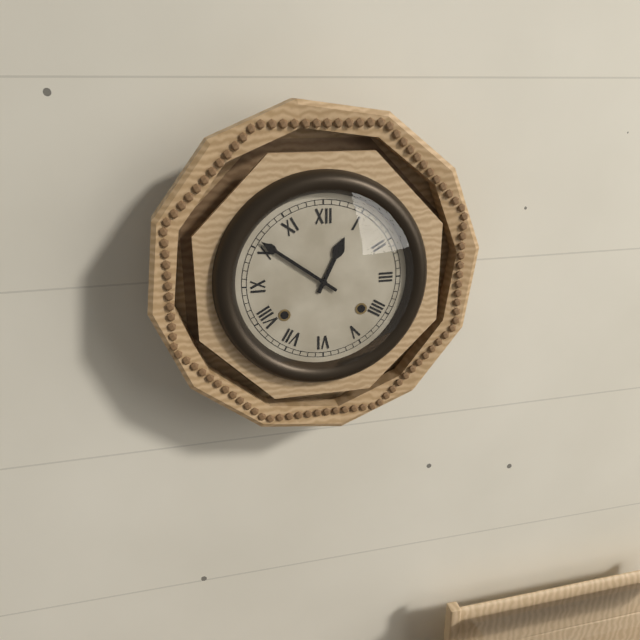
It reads 12h51
